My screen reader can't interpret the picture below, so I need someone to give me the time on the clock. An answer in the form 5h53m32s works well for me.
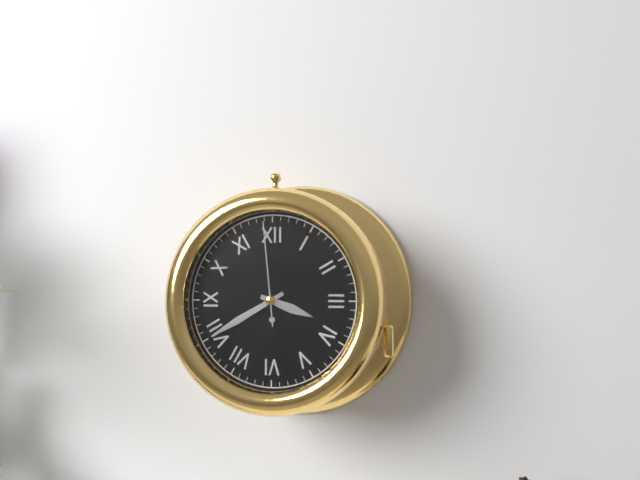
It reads 3h40m59s
